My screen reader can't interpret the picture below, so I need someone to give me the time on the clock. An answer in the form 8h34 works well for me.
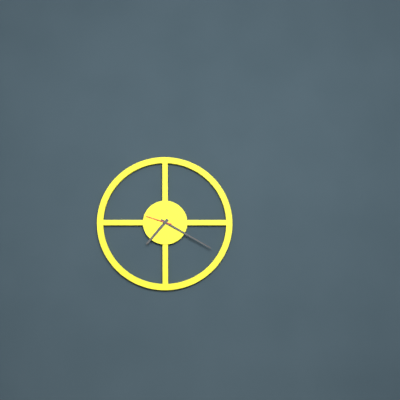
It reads 7h20
